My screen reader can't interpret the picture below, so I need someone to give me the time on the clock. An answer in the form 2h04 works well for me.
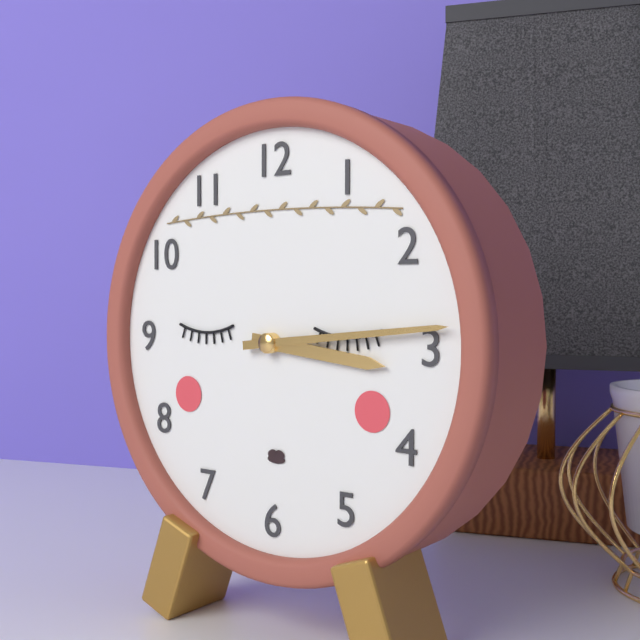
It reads 3h14
